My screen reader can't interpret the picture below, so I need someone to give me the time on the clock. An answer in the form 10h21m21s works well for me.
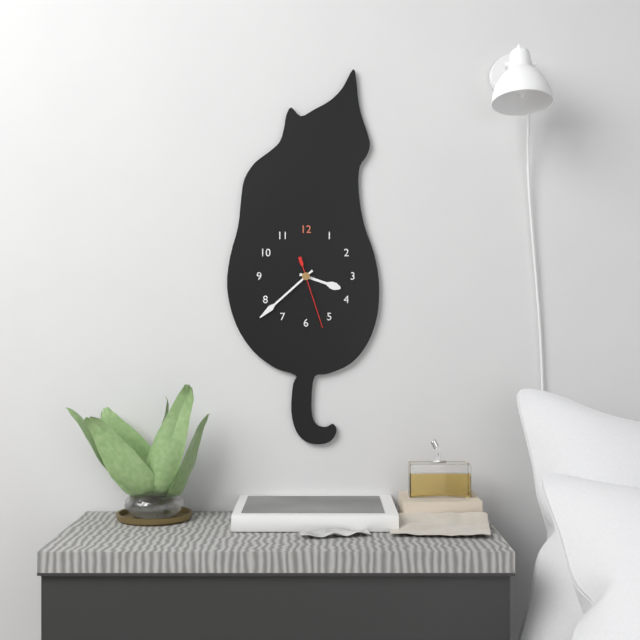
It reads 3h38m27s
